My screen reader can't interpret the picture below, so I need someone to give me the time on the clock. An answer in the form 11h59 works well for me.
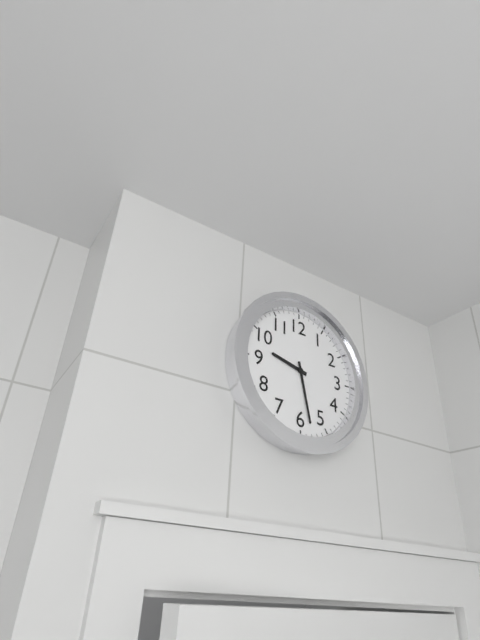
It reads 9h28
